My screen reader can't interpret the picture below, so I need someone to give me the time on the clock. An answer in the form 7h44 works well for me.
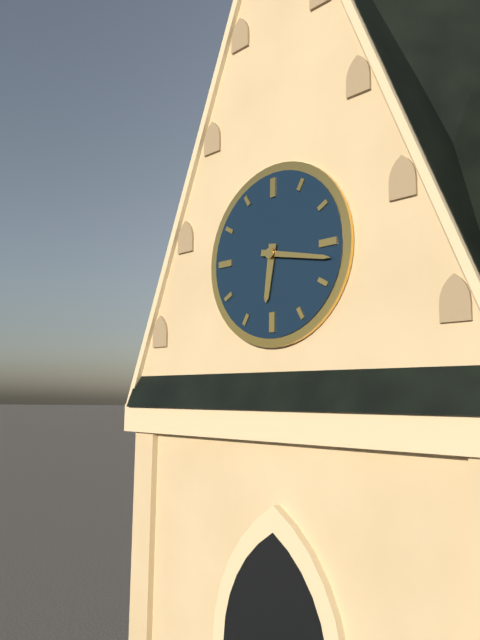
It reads 6h17
